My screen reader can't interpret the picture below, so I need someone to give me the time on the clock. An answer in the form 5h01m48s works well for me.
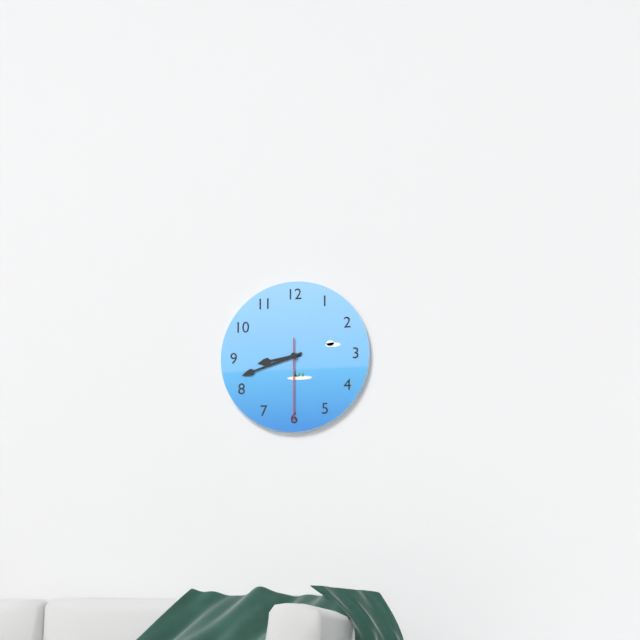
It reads 8h42m30s
